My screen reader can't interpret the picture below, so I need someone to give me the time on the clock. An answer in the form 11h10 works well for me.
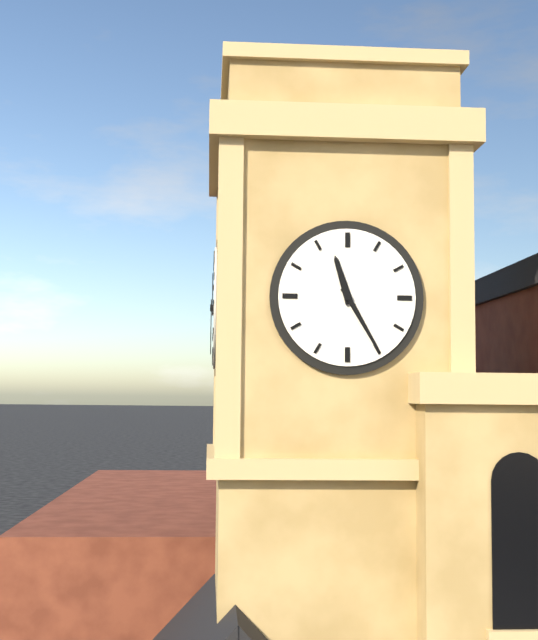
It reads 11h25
